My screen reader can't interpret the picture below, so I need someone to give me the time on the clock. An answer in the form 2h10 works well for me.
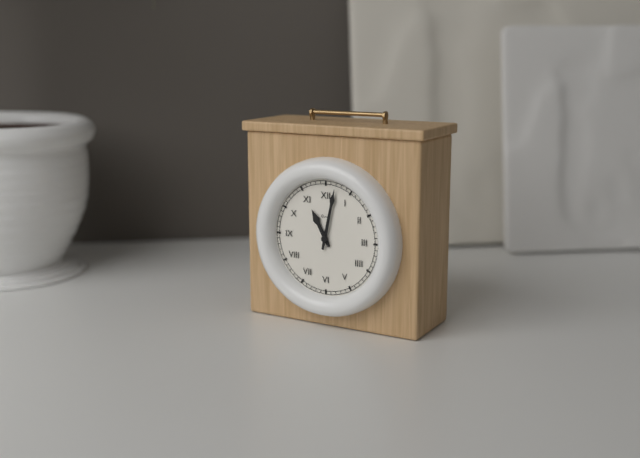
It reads 11h02
